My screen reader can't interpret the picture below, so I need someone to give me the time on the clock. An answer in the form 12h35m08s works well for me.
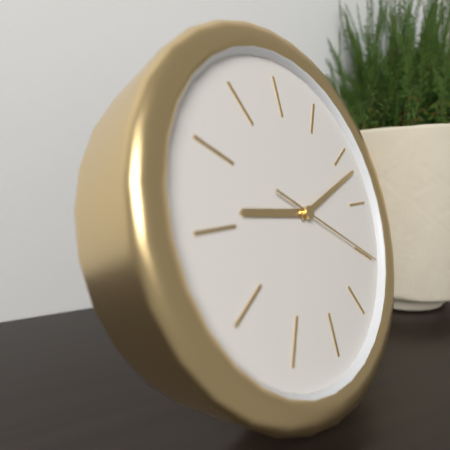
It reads 9h12m20s
